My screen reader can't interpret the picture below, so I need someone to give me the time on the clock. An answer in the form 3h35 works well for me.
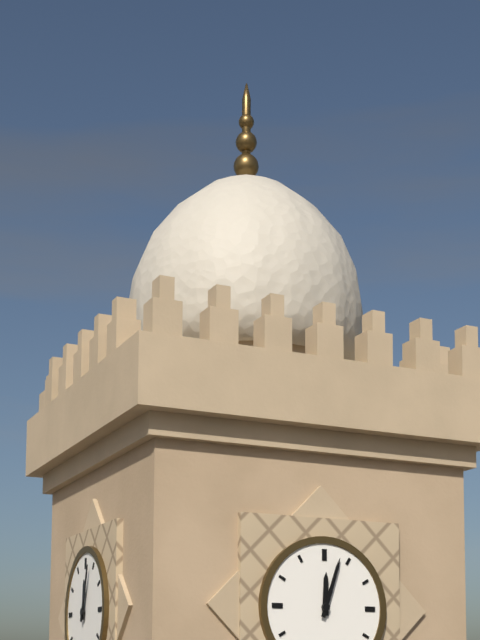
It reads 12h03
